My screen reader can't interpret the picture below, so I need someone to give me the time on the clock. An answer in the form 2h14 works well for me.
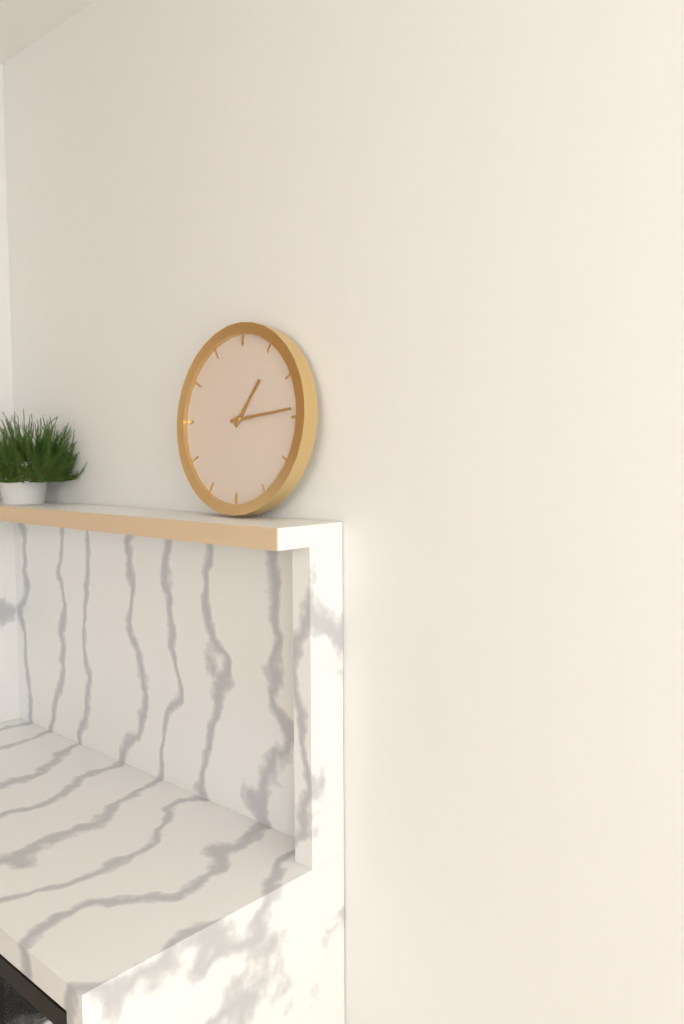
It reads 1h14
